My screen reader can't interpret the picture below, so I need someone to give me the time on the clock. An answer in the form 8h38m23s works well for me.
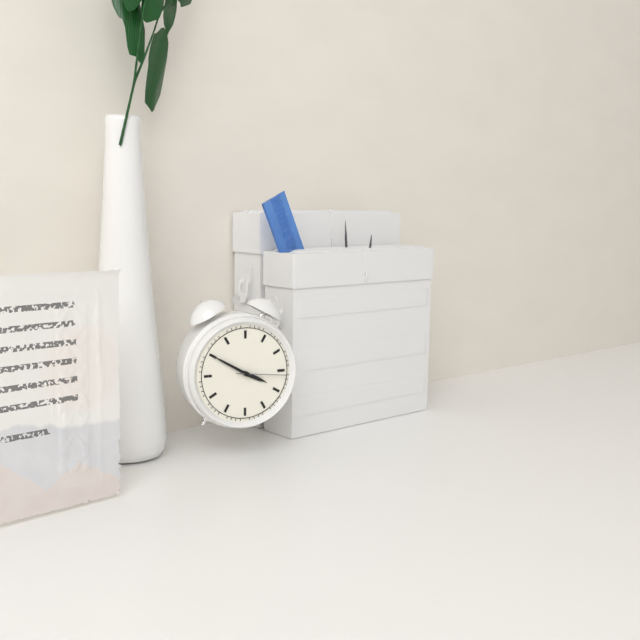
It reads 3h50m16s
